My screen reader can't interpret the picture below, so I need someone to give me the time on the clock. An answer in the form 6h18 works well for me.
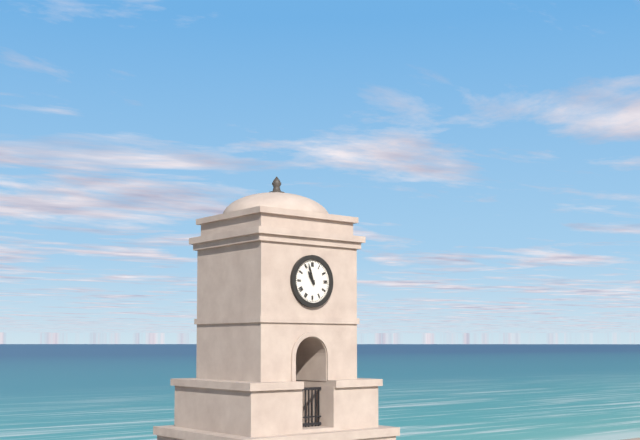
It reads 10h57
